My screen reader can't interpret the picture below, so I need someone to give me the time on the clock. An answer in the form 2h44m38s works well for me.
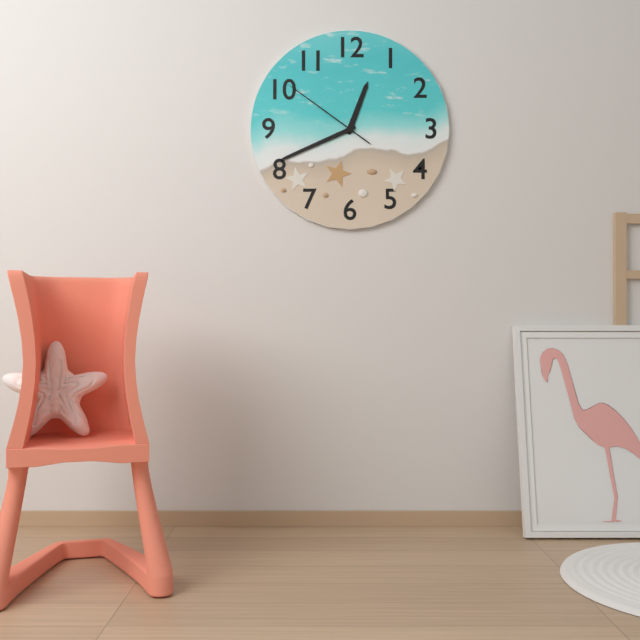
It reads 12h41m51s
